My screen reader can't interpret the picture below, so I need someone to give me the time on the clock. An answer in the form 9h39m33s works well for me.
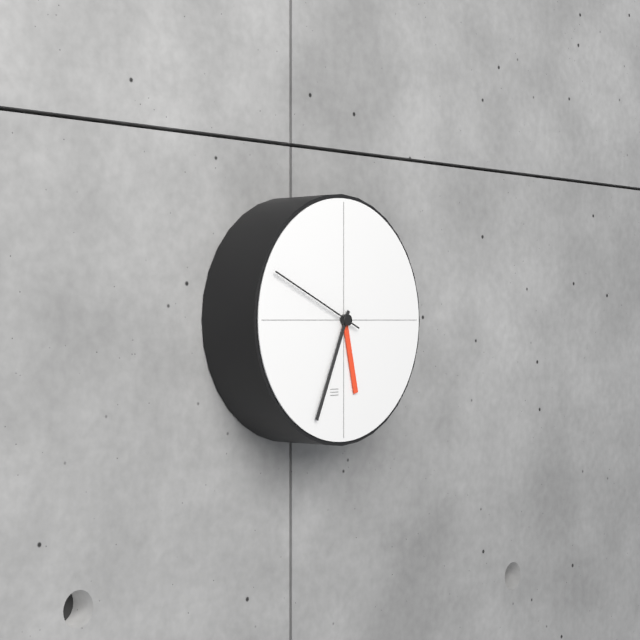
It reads 5h34m49s
